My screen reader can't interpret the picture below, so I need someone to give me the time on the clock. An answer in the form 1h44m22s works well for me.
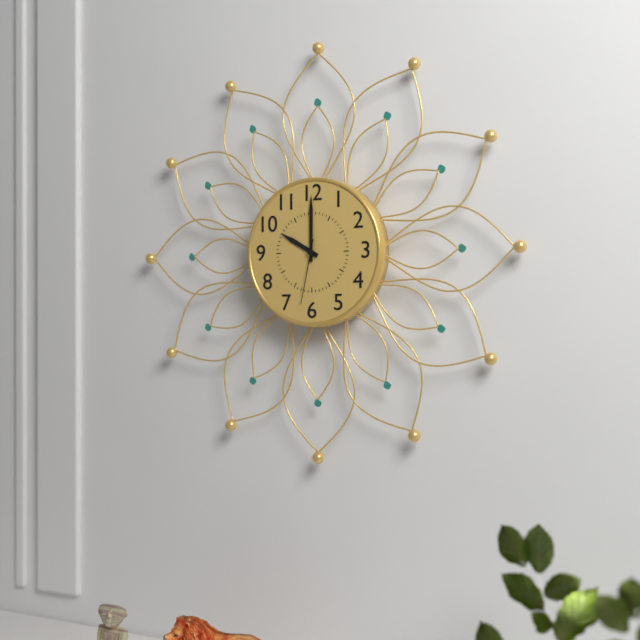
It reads 10h00m32s
